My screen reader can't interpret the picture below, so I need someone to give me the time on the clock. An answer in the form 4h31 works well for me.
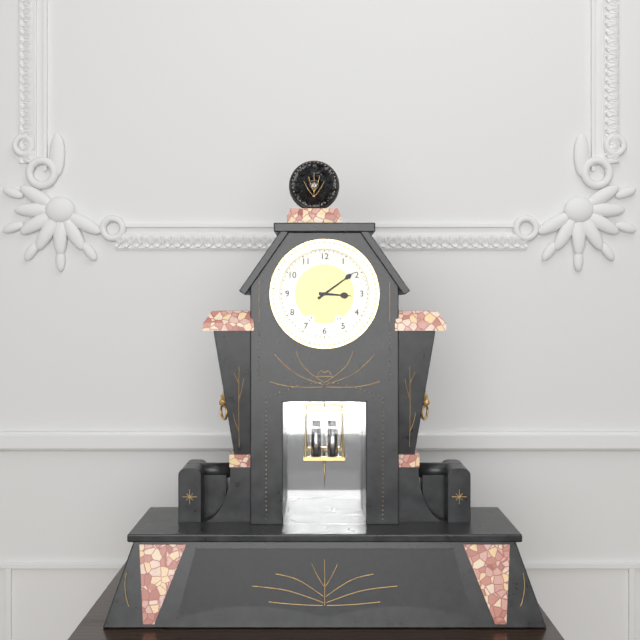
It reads 3h09
